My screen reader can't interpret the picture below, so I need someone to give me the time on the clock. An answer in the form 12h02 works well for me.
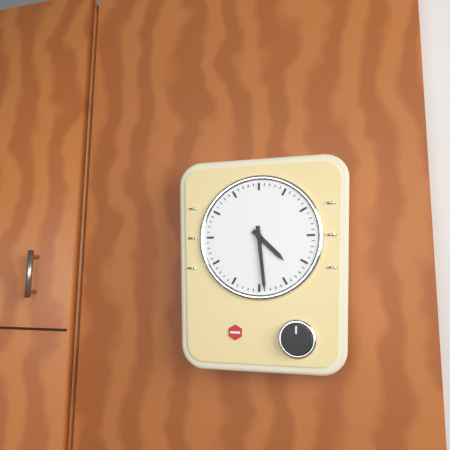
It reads 4h29
